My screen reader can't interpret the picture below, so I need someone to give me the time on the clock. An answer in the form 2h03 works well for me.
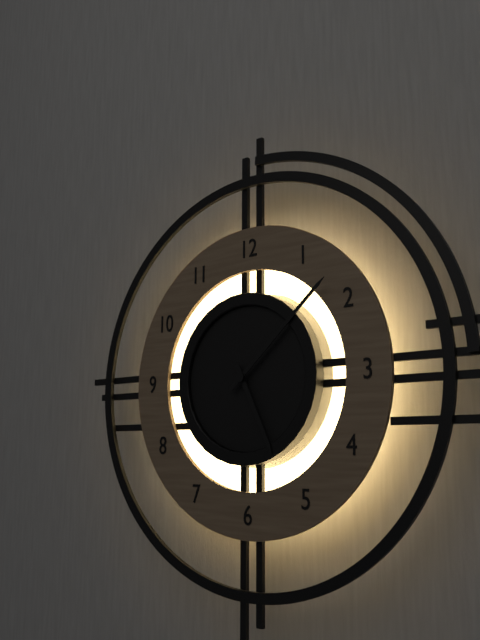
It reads 5h08
